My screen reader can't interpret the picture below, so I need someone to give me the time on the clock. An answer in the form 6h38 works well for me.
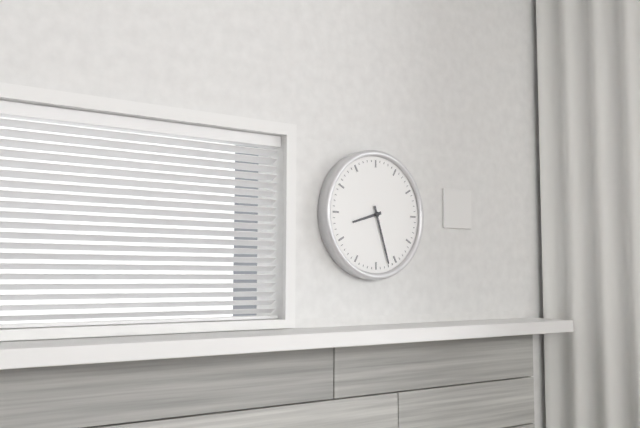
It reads 8h27
